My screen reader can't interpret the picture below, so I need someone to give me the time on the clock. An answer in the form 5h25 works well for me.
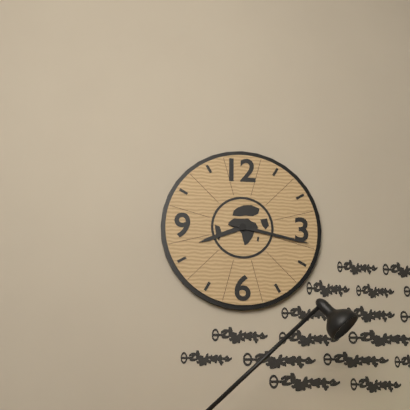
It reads 8h17
